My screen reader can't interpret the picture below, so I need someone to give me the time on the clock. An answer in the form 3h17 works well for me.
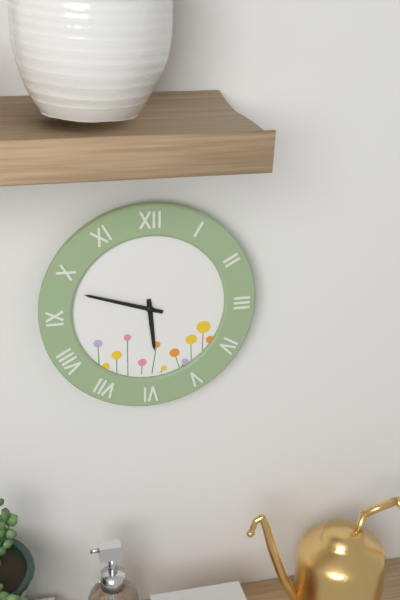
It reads 5h48
